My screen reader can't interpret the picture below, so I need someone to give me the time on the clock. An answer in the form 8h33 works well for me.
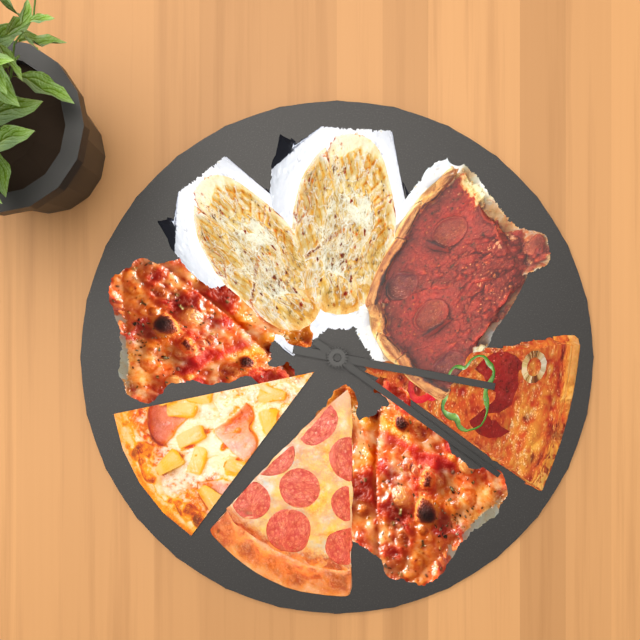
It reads 3h21
